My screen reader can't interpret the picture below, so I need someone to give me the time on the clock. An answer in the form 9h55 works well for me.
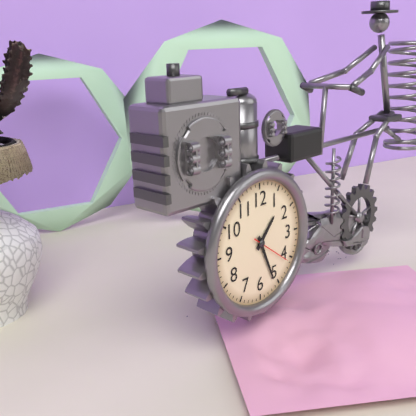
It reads 1h26
